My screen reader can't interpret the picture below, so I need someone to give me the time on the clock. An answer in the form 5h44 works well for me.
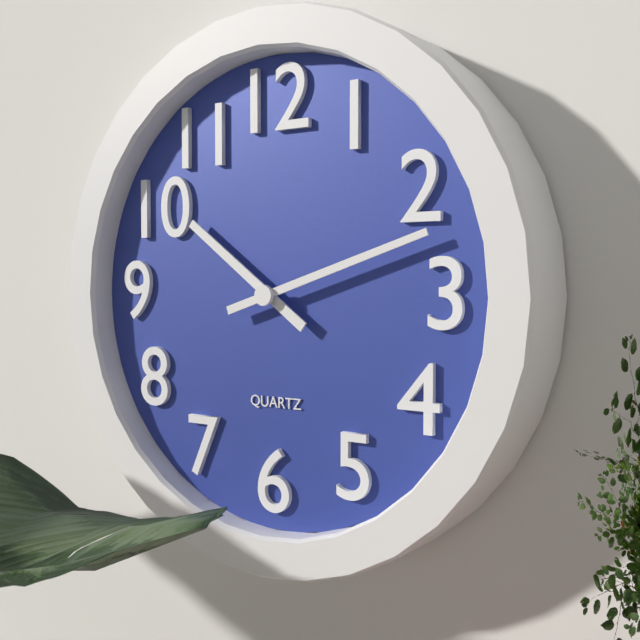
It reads 10h12
